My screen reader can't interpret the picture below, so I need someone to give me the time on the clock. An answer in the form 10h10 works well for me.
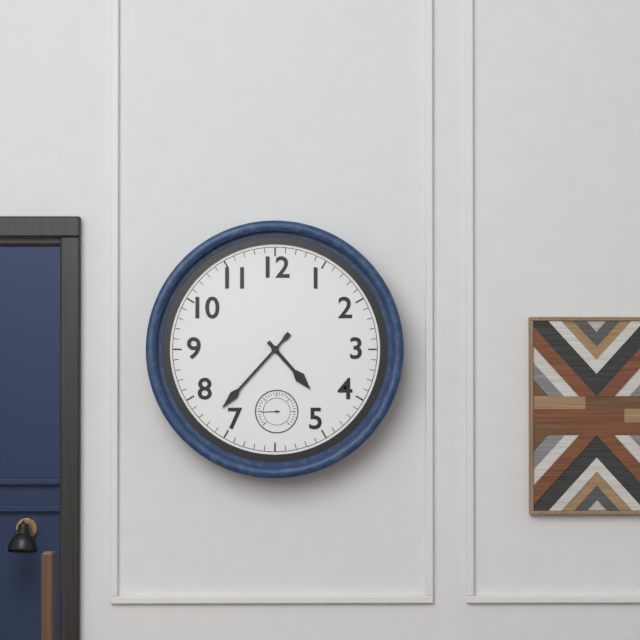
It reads 4h37
